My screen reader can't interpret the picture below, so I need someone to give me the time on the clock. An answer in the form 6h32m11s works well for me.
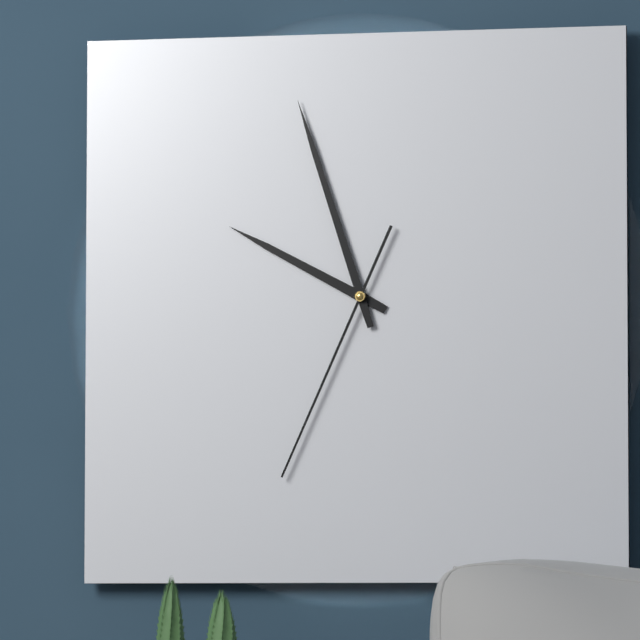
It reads 9h57m34s
